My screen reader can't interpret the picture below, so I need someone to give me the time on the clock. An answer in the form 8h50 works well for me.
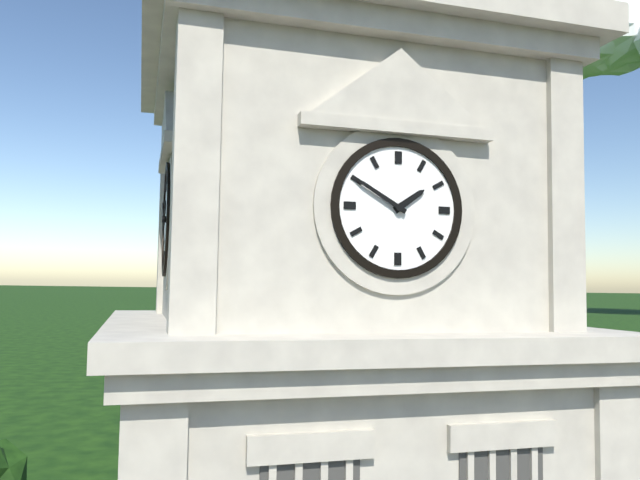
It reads 1h50
